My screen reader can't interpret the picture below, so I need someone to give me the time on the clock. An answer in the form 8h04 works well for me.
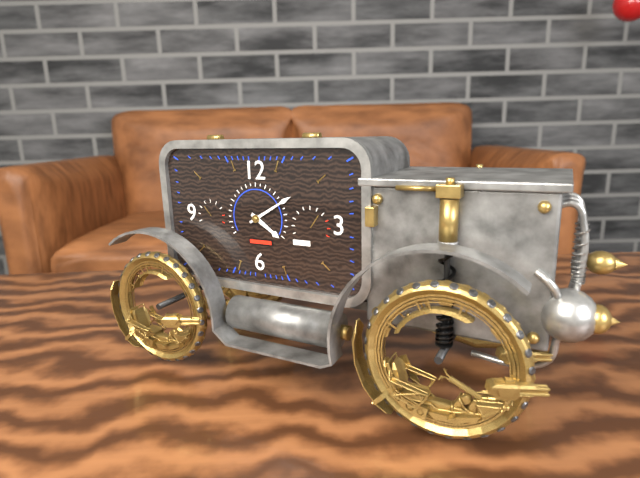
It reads 4h10
